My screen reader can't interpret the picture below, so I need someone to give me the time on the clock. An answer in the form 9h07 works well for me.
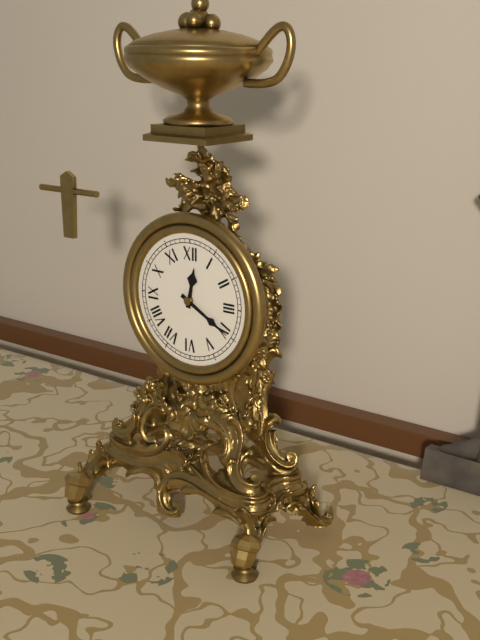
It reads 12h20
